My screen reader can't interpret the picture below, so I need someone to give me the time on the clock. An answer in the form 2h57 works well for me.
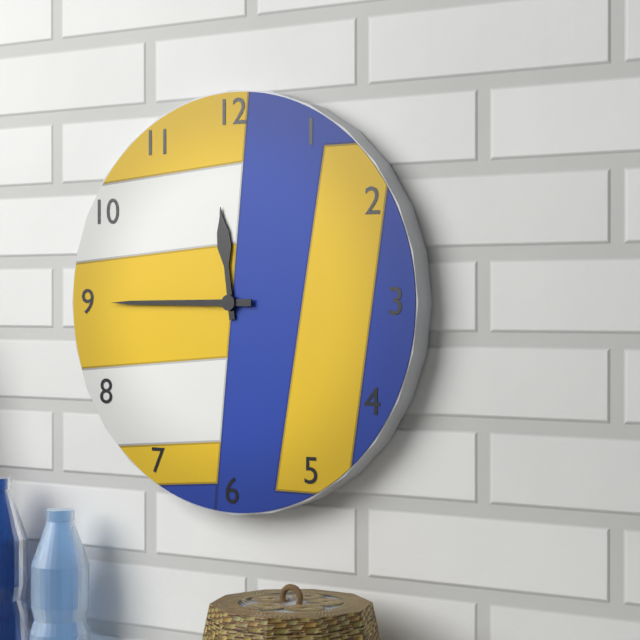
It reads 11h45
